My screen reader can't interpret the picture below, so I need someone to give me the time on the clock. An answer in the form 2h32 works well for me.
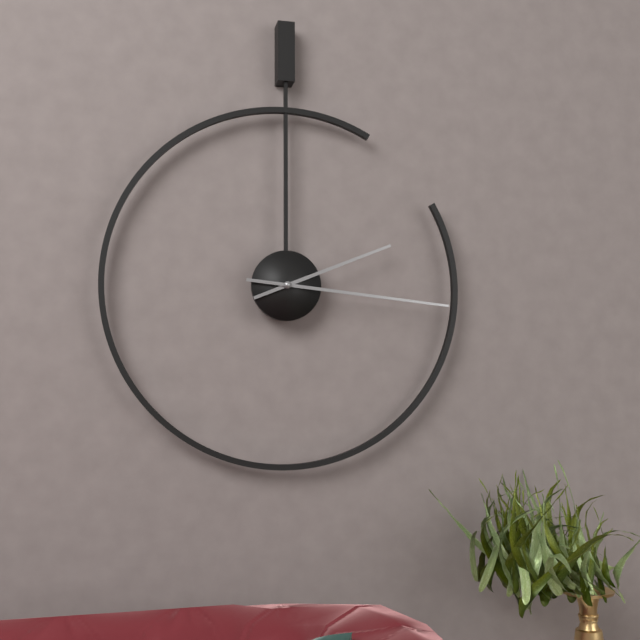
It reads 2h16
